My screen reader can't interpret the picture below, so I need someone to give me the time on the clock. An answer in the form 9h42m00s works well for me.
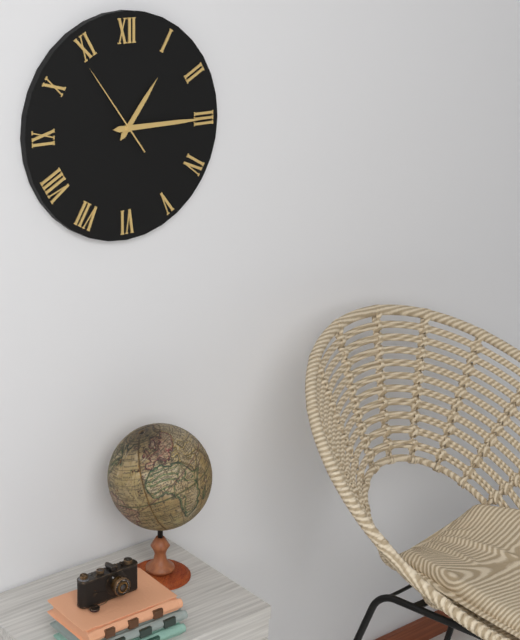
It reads 1h15m54s
